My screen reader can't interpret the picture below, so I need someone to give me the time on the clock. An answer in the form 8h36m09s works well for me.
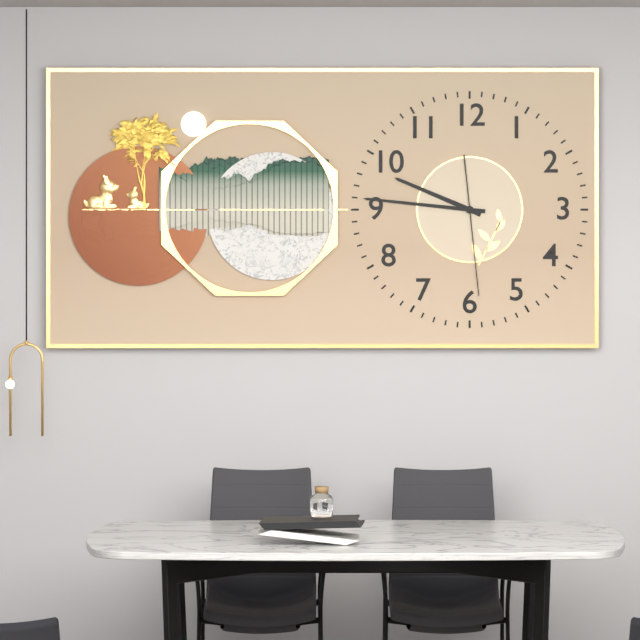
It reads 9h46m29s
